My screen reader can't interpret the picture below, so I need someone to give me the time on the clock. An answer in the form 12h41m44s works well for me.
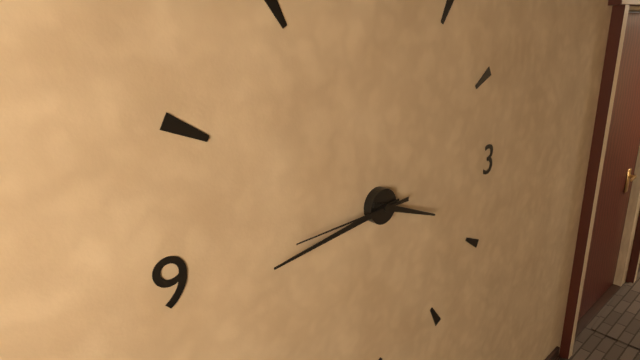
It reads 3h44m45s
